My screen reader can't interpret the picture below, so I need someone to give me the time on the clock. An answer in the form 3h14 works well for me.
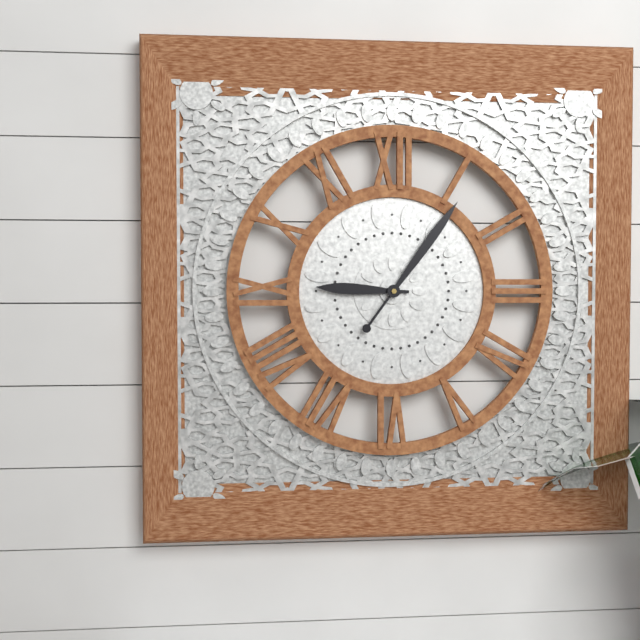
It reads 9h06
